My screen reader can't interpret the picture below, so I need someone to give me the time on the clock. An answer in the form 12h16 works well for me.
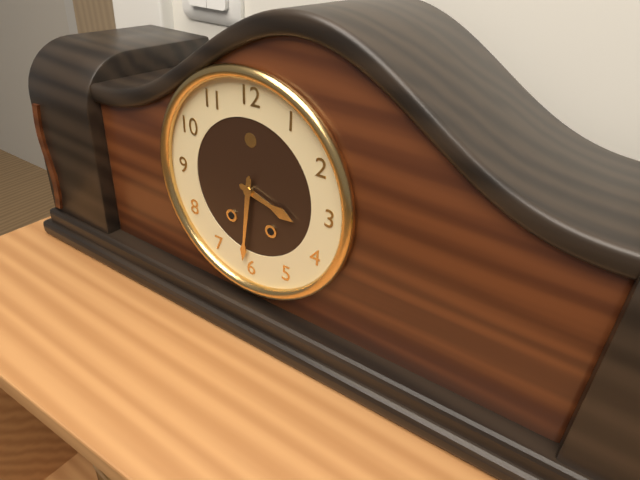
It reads 3h31
